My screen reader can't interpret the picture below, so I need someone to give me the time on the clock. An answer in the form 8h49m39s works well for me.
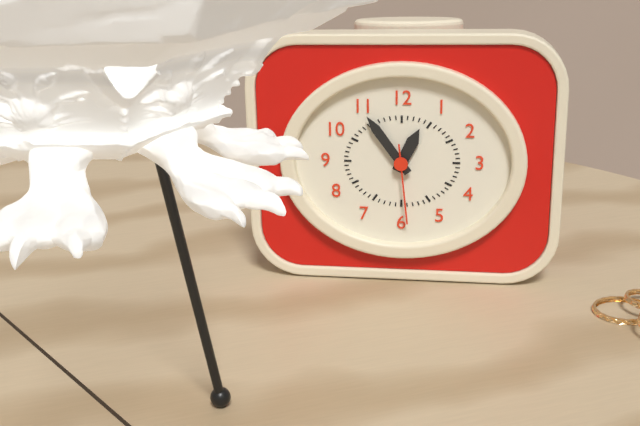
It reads 12h54m29s
